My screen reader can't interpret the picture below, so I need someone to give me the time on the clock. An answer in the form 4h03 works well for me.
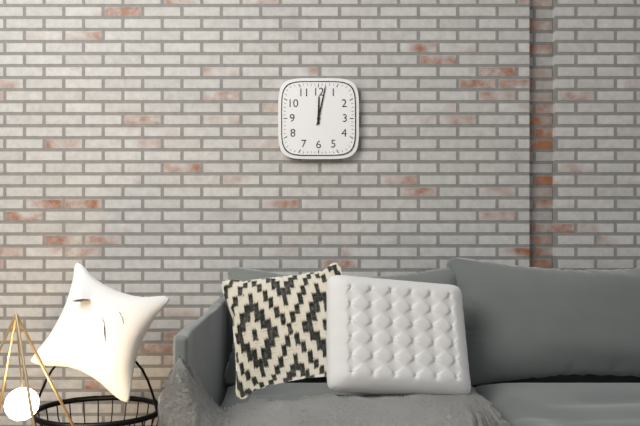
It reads 12h02
